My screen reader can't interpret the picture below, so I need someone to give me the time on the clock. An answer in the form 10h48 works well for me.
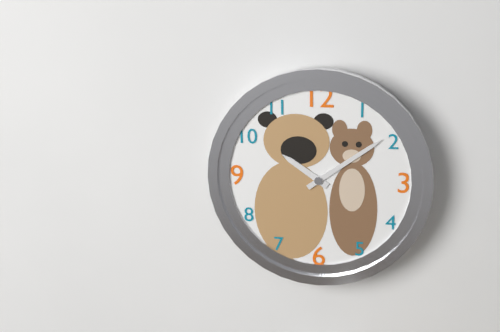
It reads 10h09
